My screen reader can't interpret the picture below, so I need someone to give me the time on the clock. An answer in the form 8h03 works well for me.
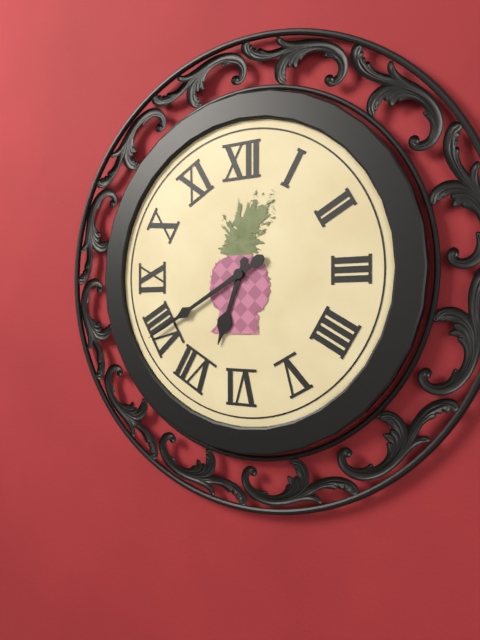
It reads 6h40
